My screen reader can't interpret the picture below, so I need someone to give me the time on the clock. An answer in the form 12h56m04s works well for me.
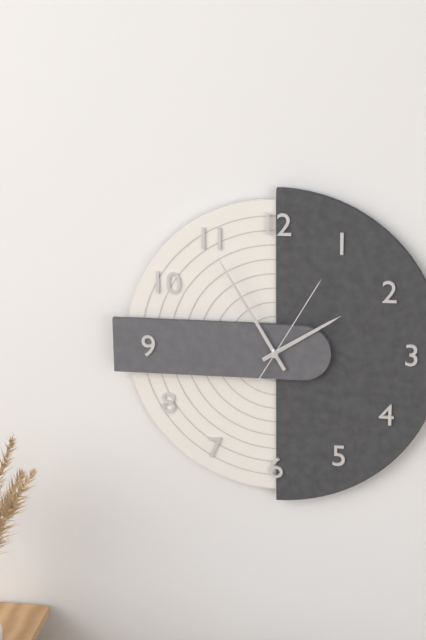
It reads 1h55m05s
